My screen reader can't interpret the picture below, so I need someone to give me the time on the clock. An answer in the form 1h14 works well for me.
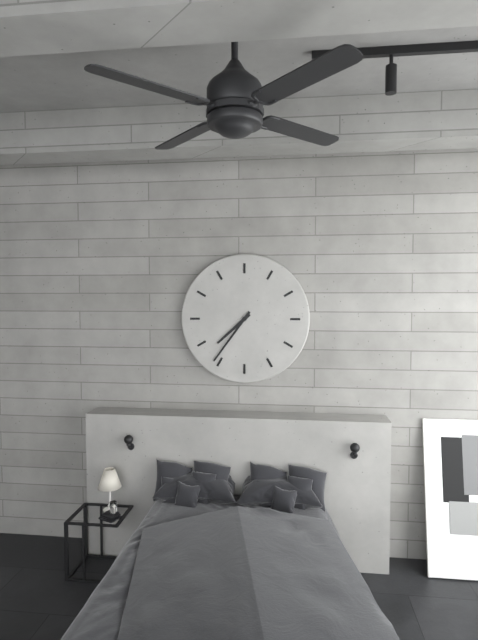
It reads 7h36
